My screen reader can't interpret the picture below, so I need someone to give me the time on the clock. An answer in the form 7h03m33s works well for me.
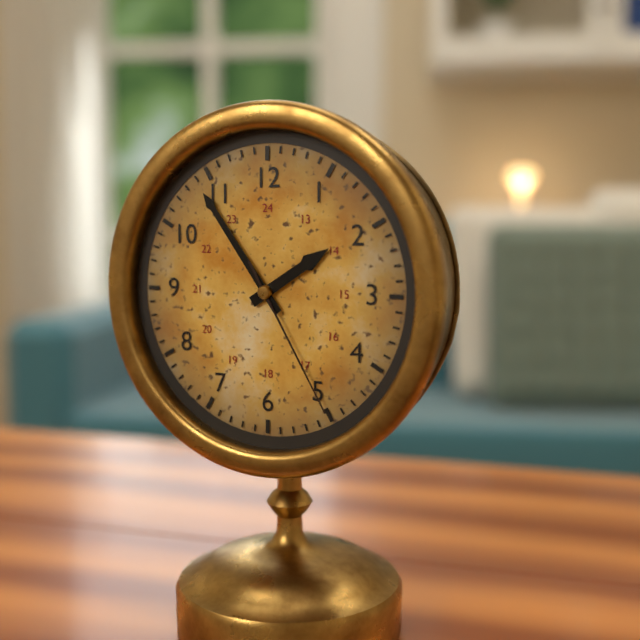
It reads 1h54m25s
